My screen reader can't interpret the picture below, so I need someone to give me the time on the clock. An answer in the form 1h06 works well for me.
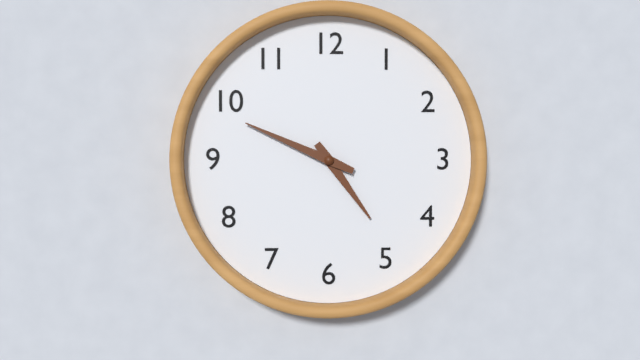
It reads 4h49
